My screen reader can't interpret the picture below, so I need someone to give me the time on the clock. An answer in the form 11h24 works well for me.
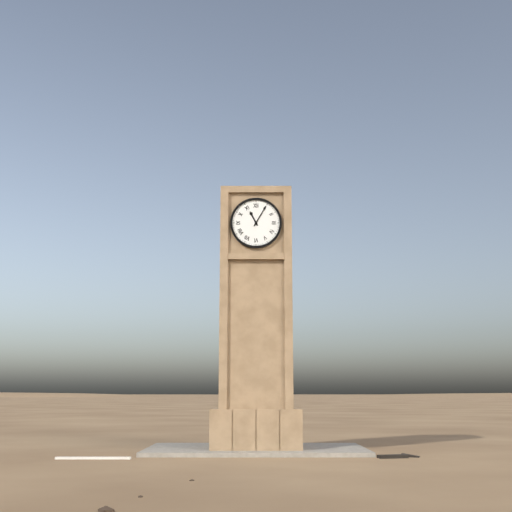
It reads 11h05
